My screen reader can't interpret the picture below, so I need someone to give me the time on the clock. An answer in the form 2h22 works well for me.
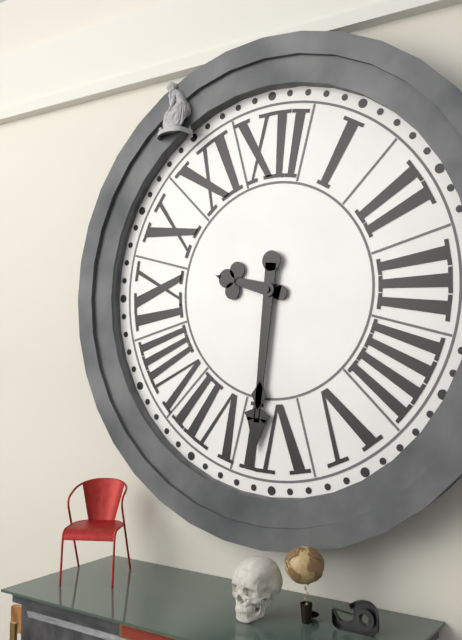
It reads 9h31
